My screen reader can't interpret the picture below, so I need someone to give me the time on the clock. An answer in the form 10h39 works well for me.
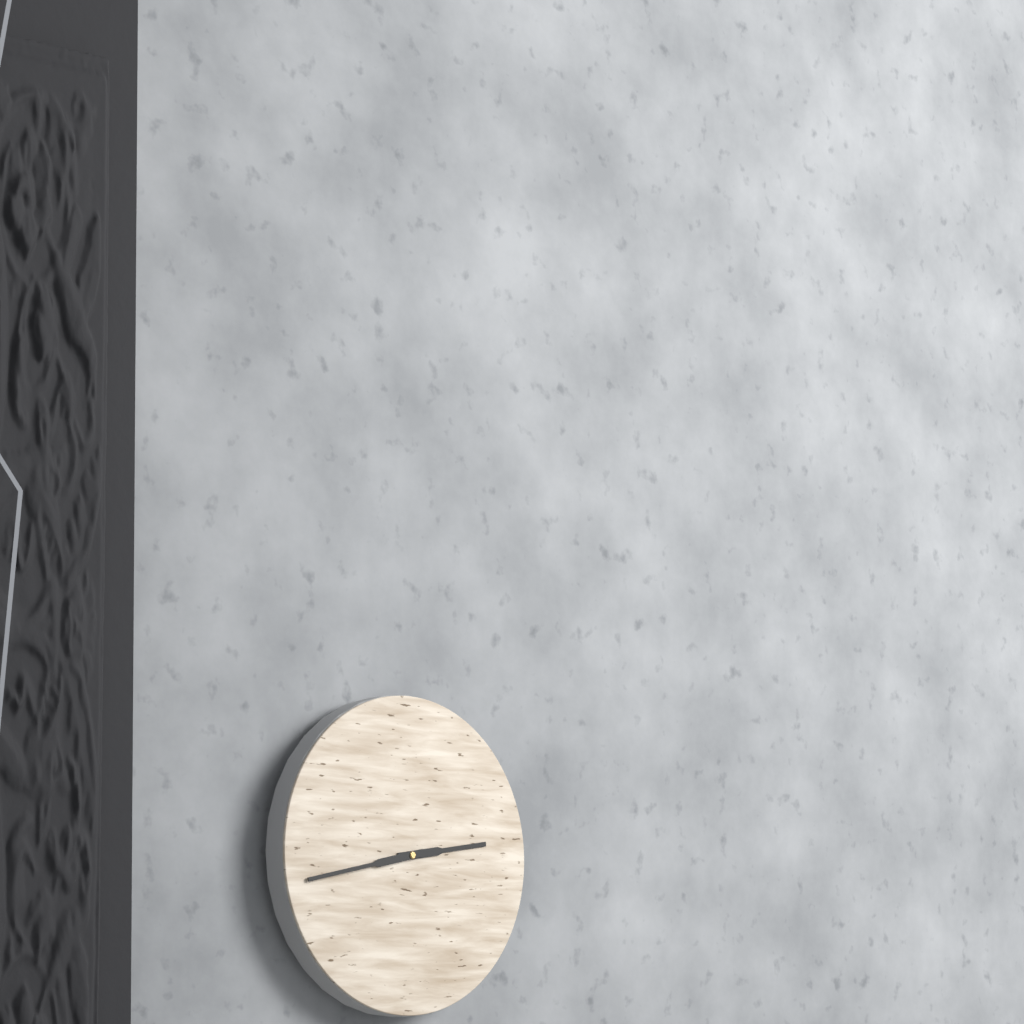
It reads 2h43
